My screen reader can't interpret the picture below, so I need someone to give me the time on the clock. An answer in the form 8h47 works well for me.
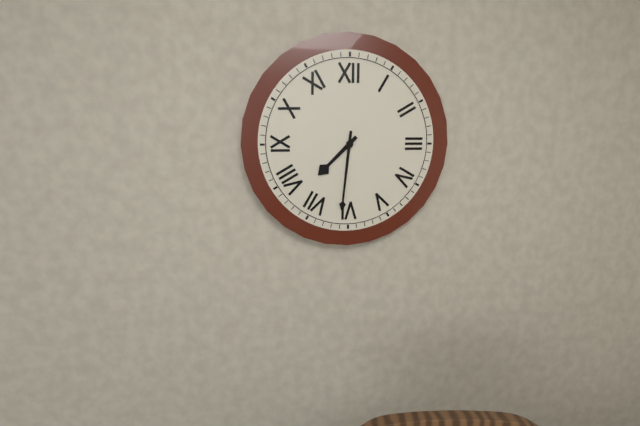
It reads 7h31
